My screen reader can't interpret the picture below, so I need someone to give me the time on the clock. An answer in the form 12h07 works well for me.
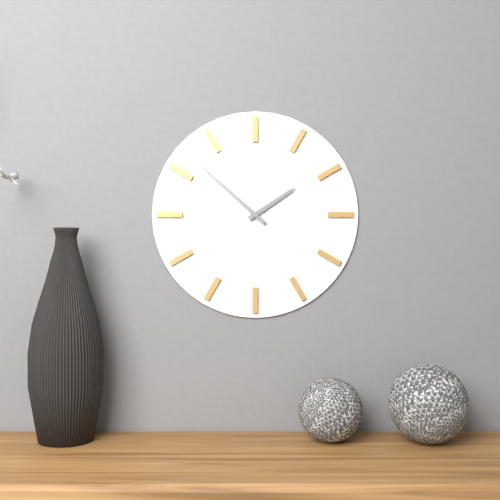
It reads 1h52
